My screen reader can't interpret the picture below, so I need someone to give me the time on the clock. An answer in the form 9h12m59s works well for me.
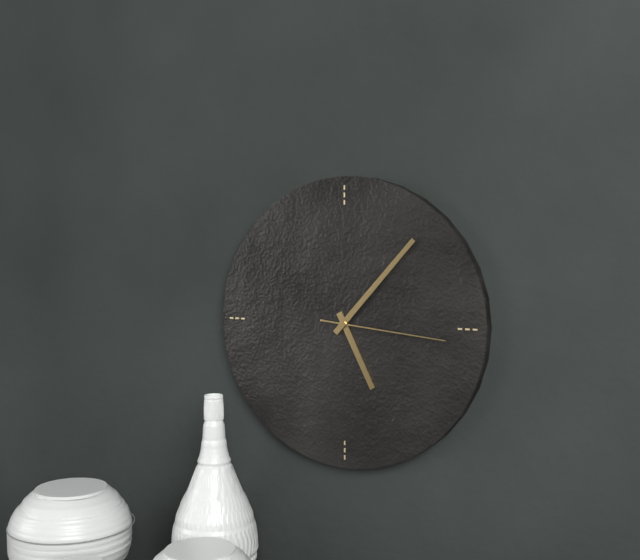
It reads 5h07m16s
